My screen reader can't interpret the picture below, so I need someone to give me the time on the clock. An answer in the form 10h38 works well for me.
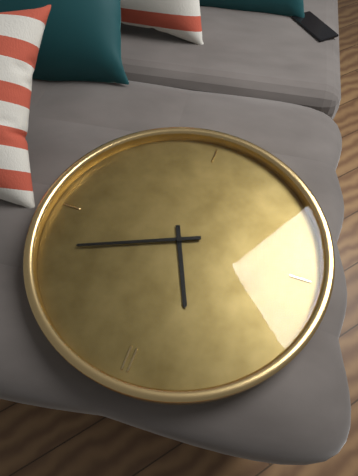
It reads 11h11
